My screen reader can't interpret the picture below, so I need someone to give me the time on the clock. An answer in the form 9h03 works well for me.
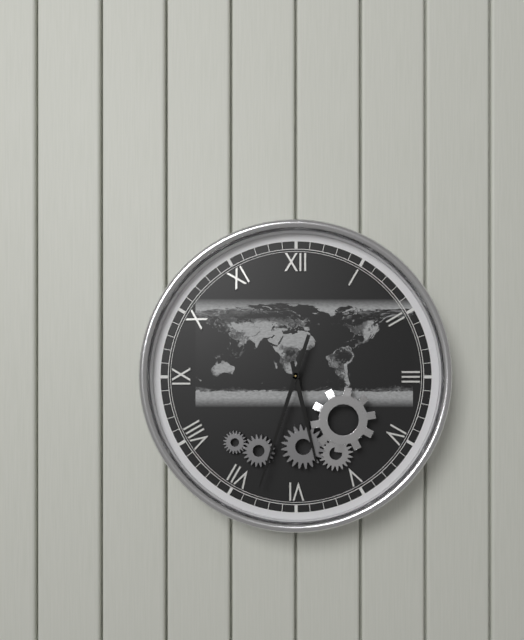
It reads 5h33
